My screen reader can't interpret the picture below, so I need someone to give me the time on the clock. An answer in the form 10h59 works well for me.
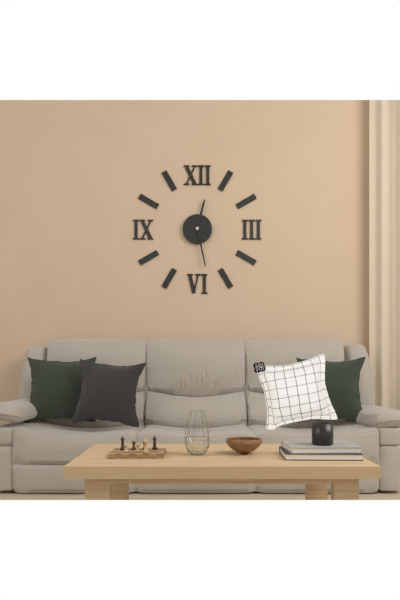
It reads 12h28
